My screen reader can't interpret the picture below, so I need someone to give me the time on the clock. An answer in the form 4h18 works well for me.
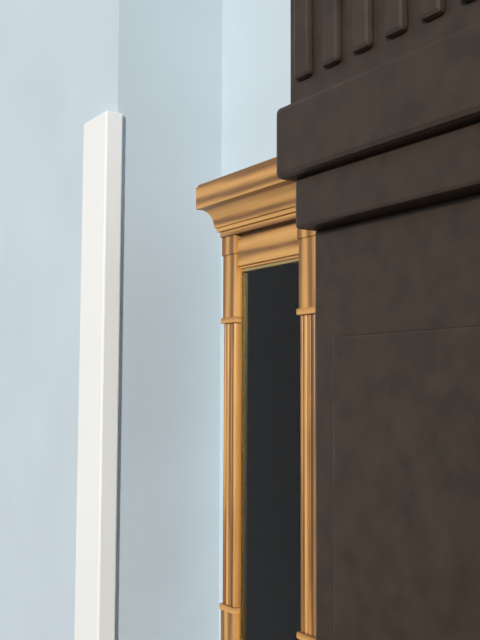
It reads 7h29
